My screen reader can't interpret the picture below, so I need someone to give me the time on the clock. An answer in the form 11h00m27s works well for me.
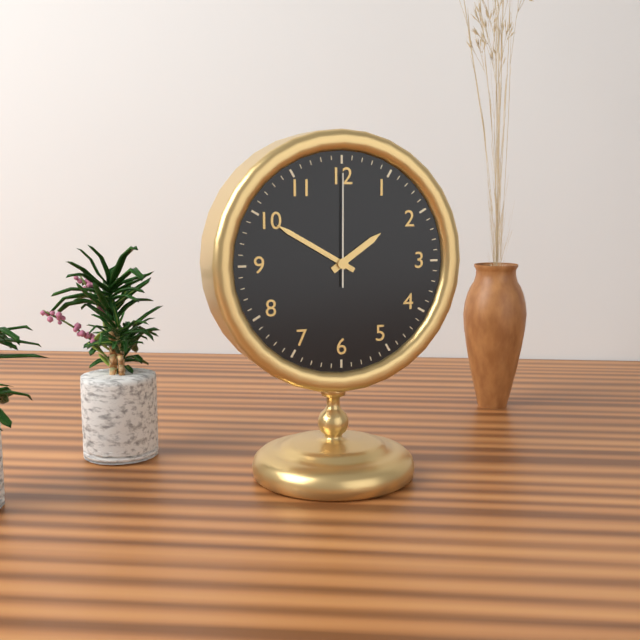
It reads 1h50m00s
